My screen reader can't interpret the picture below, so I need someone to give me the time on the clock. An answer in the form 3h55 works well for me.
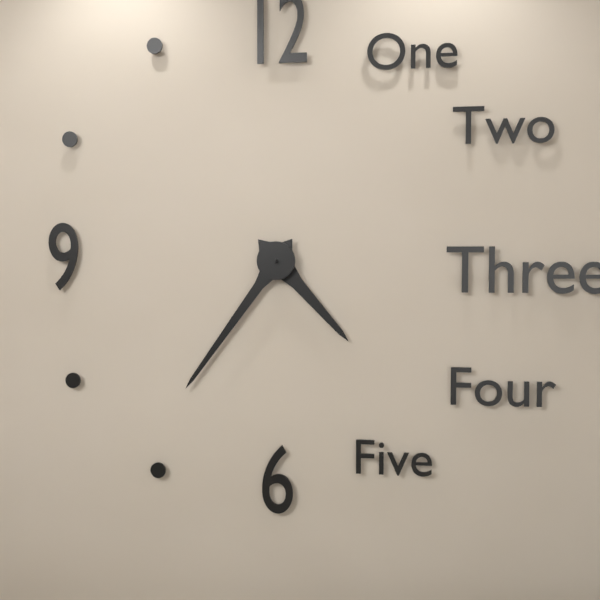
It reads 4h36
